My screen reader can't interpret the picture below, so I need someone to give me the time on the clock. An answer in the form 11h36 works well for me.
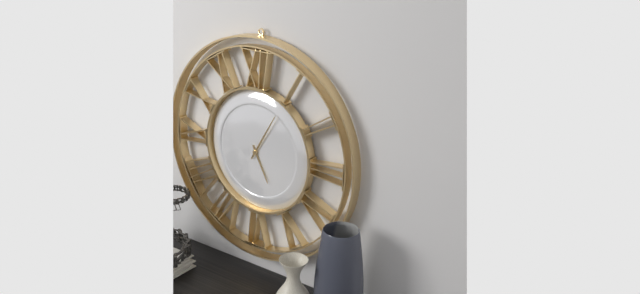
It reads 5h05
